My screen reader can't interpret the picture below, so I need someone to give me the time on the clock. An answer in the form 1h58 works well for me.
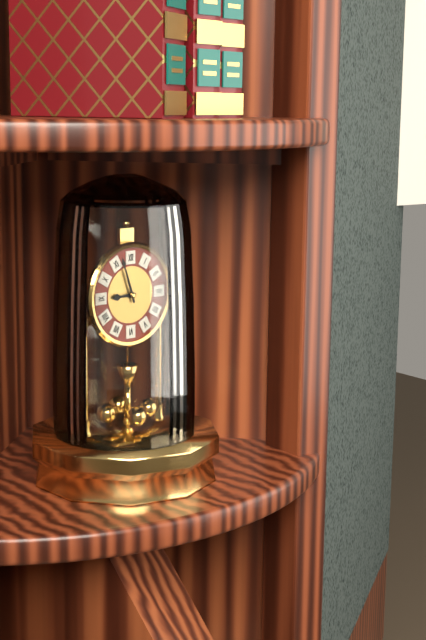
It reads 8h57
